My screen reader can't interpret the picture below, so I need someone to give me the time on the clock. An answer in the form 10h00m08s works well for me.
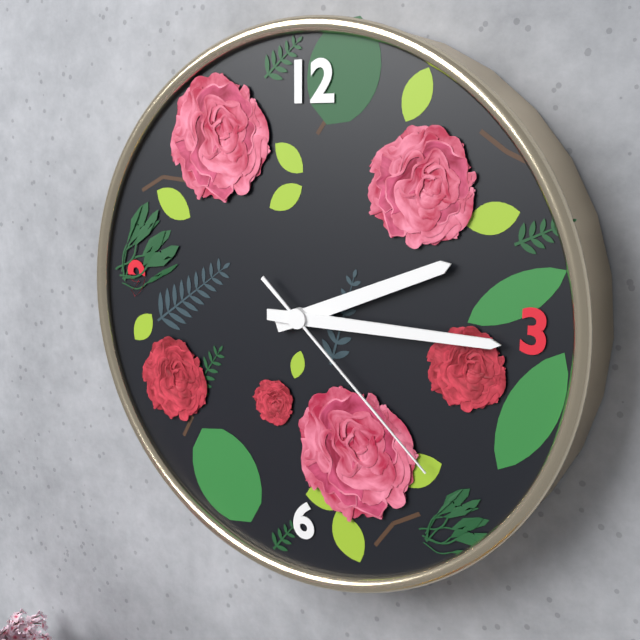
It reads 2h15m22s
